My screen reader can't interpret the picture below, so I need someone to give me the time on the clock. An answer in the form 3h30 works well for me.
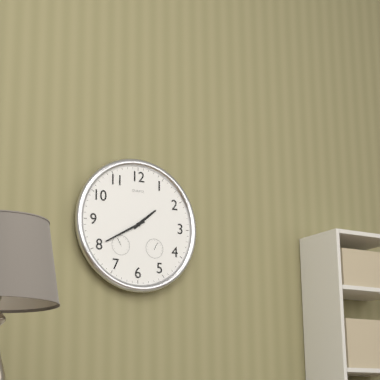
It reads 1h40
